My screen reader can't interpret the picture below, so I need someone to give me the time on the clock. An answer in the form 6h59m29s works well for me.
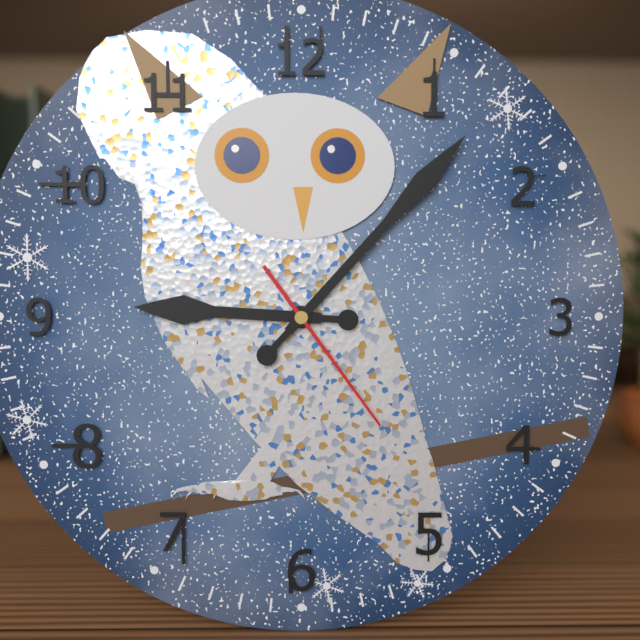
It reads 9h07m24s
